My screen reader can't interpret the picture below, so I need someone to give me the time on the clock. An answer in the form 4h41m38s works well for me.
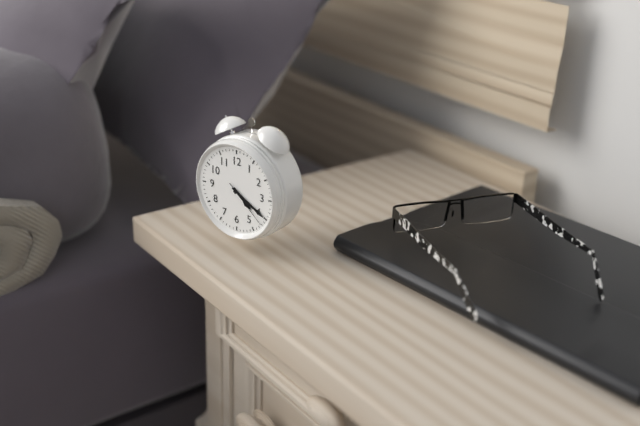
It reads 4h20m22s
